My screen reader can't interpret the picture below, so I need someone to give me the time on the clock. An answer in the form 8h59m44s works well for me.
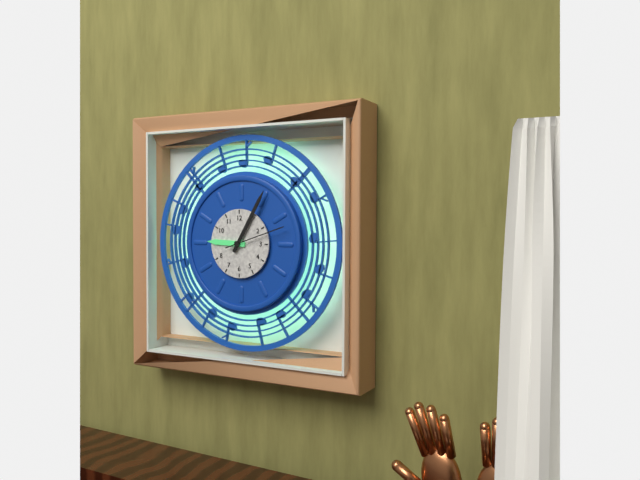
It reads 9h05m12s
